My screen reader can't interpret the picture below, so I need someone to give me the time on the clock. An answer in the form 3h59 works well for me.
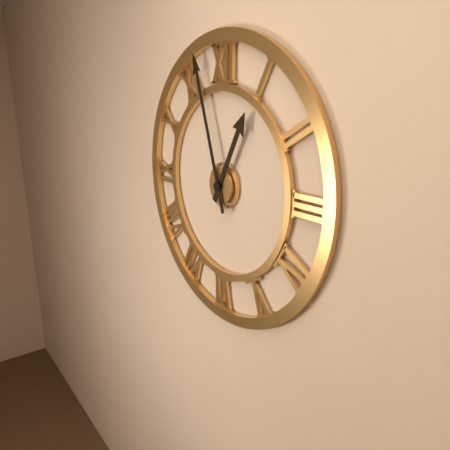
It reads 12h57
